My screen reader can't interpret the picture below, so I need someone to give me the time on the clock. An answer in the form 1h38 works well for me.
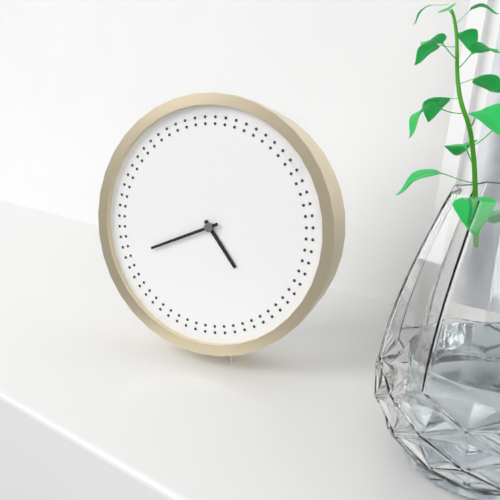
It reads 4h41
